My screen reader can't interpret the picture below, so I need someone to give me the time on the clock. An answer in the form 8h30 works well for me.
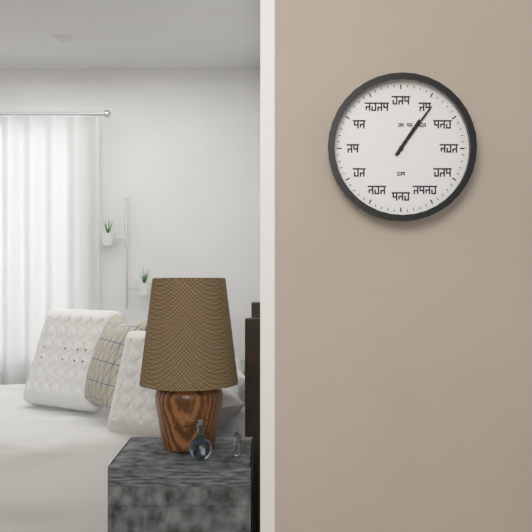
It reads 1h06
